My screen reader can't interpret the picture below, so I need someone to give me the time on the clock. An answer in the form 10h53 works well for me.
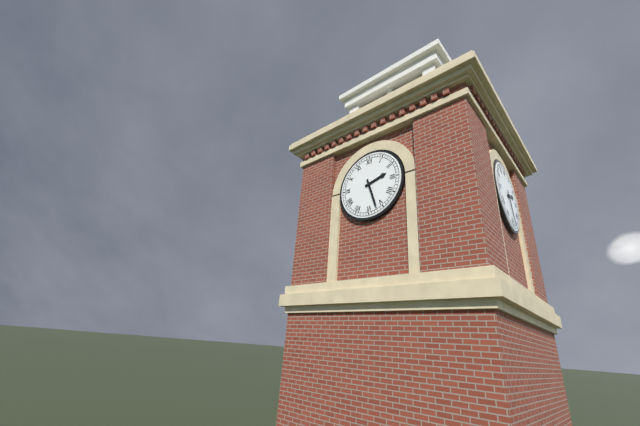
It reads 2h27
